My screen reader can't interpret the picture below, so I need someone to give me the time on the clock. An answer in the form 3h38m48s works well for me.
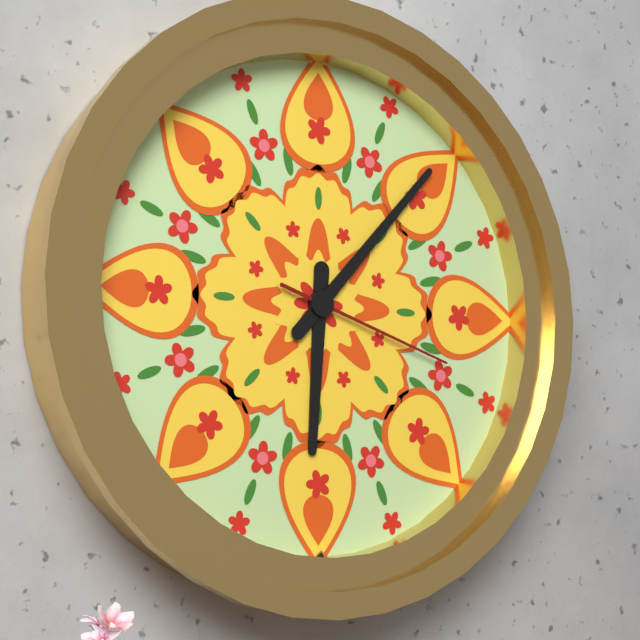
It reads 6h07m18s
